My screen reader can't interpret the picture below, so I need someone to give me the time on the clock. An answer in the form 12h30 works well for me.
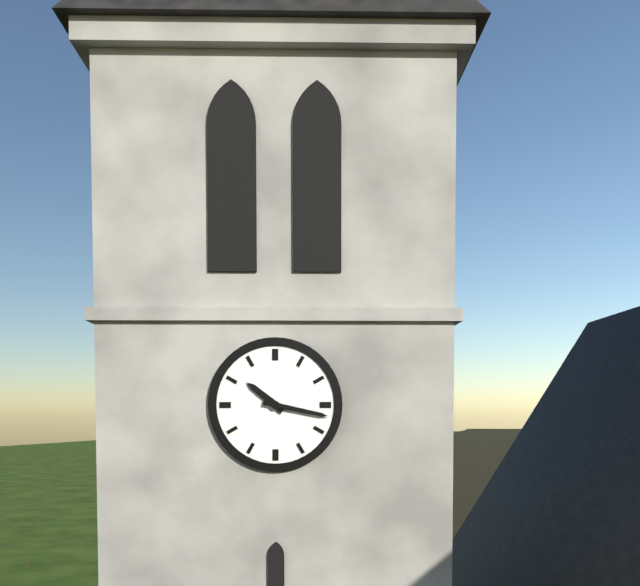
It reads 10h17
